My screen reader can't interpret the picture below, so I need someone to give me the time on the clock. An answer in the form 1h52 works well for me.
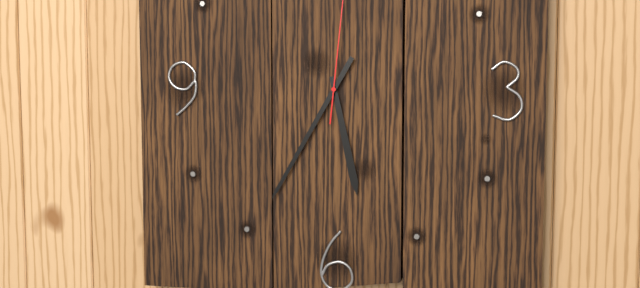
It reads 5h35
